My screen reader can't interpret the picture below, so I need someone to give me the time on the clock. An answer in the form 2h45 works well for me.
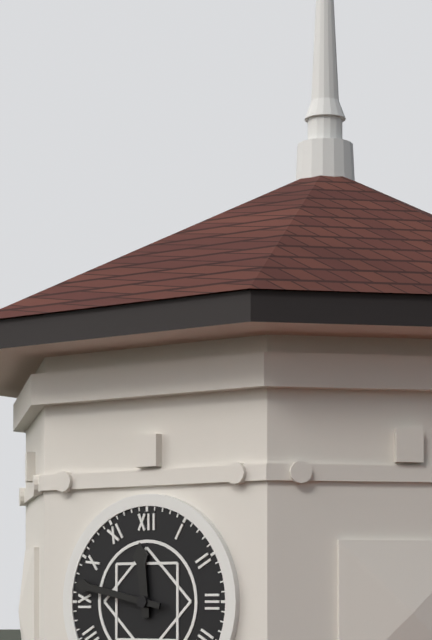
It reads 11h47
